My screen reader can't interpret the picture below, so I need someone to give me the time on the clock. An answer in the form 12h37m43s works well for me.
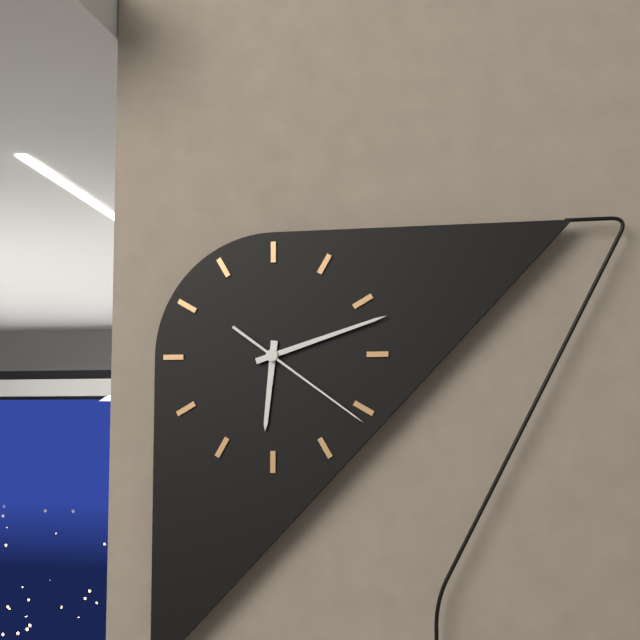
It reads 6h12m21s
